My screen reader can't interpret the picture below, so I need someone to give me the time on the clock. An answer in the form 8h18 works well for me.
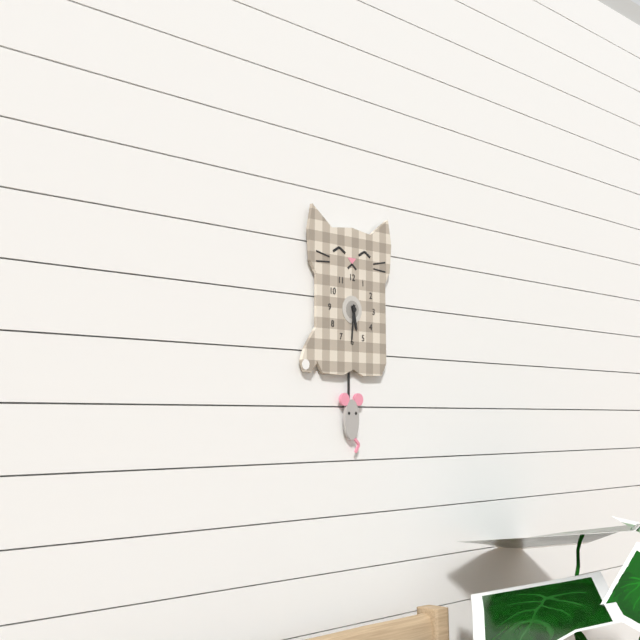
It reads 5h31
